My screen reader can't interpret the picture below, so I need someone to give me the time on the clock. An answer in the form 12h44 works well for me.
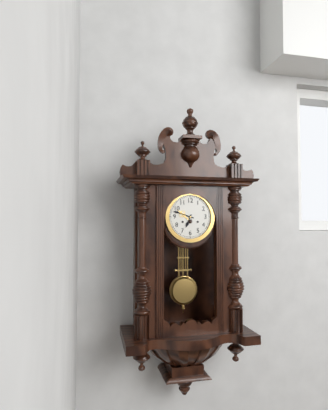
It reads 6h48
